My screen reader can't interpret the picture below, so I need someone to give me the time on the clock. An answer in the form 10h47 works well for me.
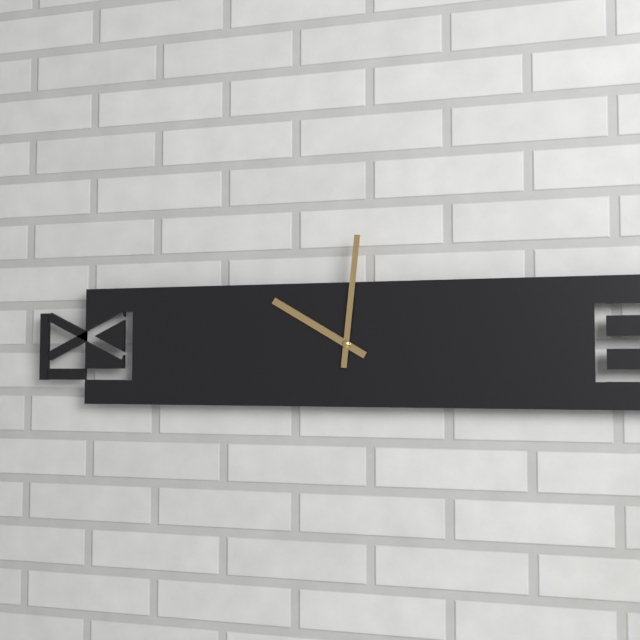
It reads 10h01
